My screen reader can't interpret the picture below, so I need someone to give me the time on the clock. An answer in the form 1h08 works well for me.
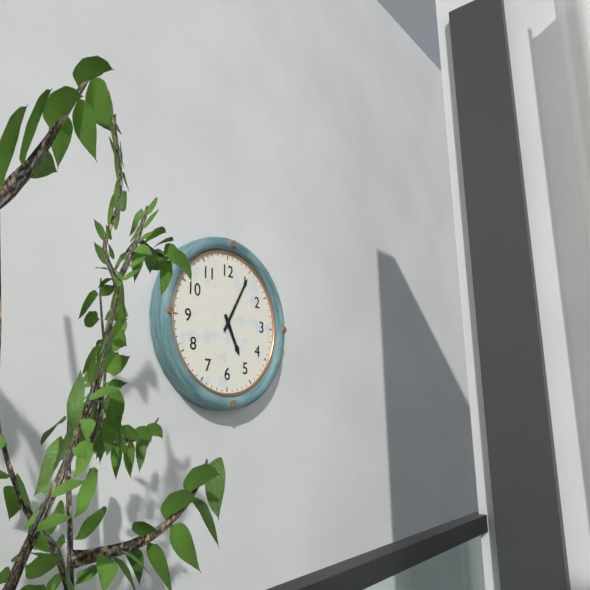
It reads 5h05
